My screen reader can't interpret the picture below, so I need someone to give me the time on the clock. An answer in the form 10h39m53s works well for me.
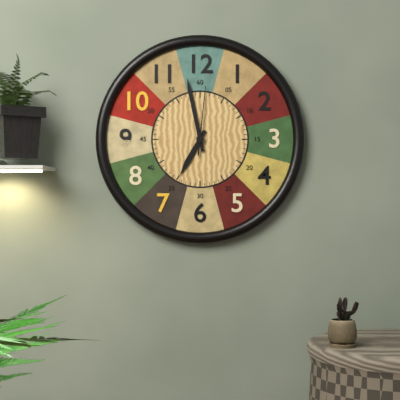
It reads 6h58m01s
